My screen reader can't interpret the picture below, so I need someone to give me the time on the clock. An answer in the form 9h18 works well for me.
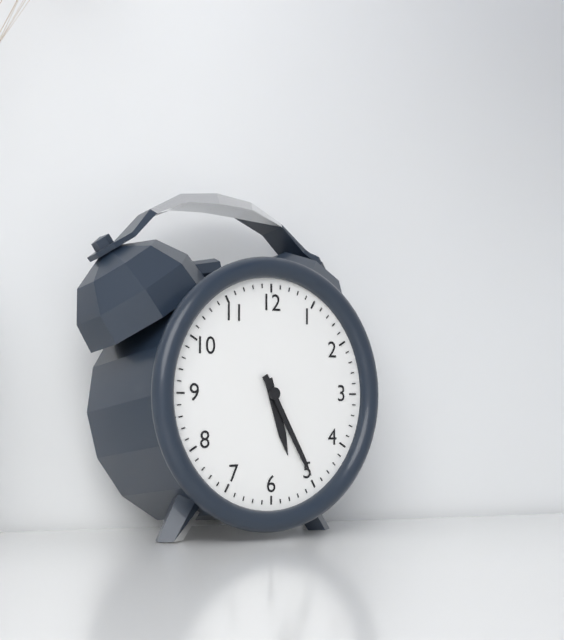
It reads 5h25
